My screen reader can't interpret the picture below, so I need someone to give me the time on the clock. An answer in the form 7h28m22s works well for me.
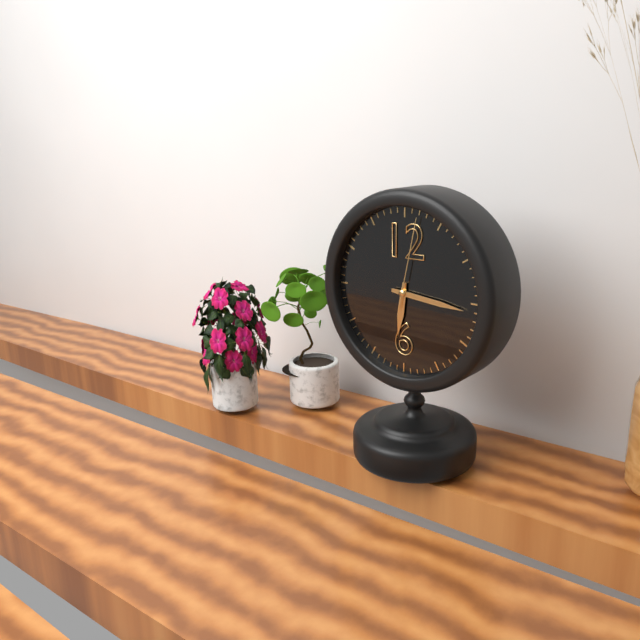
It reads 6h16m02s
